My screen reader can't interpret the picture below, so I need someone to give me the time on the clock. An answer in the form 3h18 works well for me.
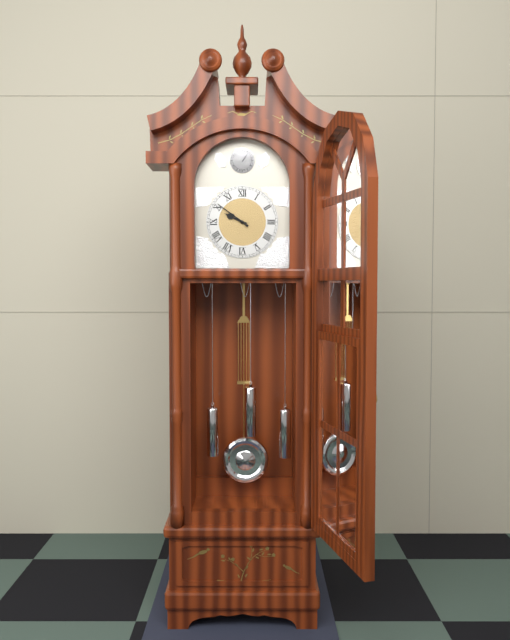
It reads 9h51
